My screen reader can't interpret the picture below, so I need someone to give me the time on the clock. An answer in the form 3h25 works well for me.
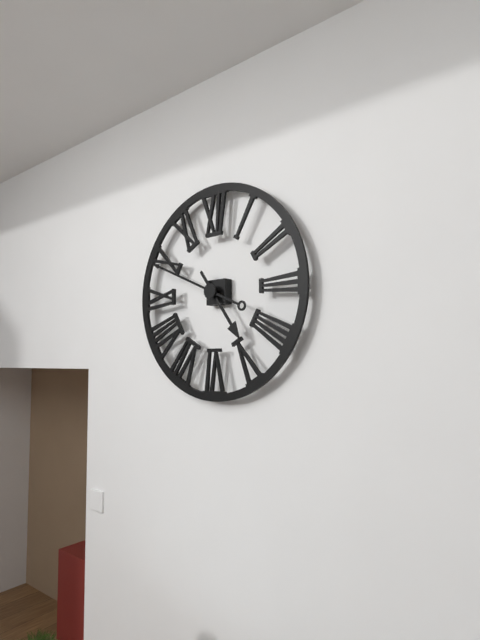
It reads 4h49
